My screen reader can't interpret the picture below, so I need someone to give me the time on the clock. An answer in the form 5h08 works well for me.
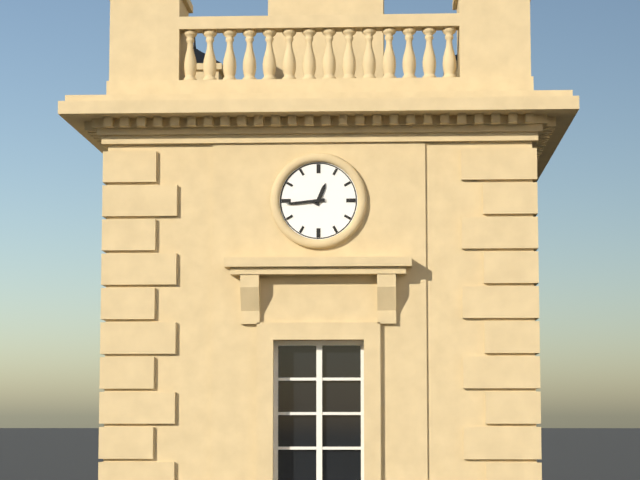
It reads 12h44
